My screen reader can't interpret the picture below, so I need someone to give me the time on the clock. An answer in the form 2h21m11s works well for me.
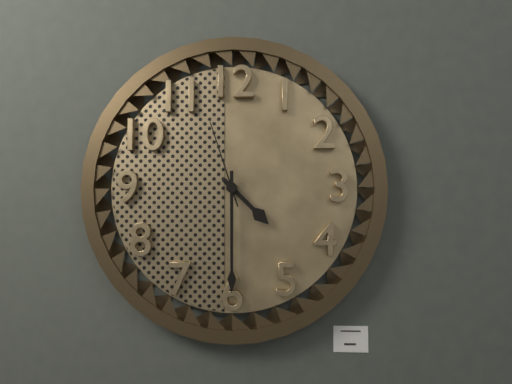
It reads 4h30m57s
